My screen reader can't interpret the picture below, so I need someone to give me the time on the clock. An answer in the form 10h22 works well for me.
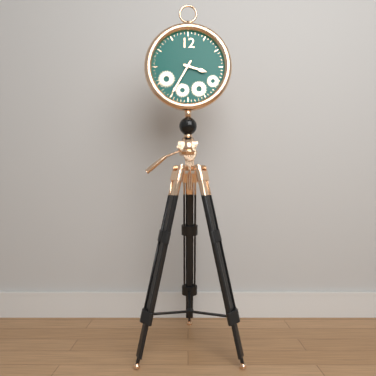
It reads 3h35
